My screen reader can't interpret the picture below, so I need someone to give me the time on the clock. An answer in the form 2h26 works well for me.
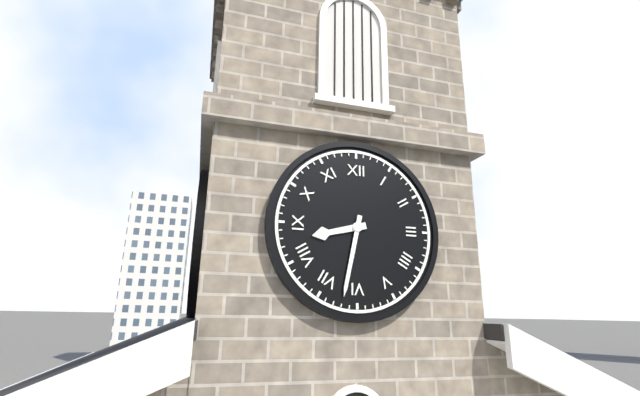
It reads 8h32
